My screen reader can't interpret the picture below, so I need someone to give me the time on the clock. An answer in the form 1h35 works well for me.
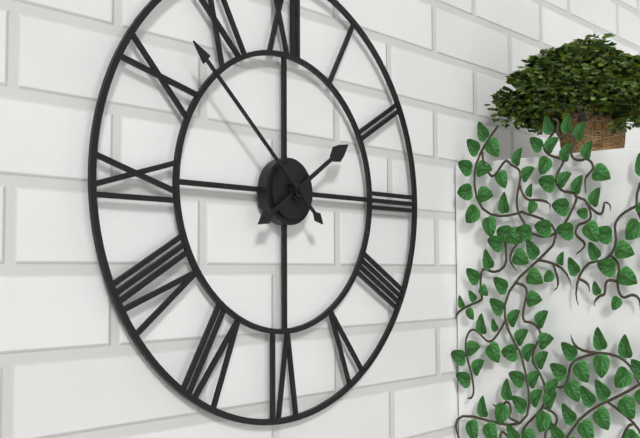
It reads 1h52
